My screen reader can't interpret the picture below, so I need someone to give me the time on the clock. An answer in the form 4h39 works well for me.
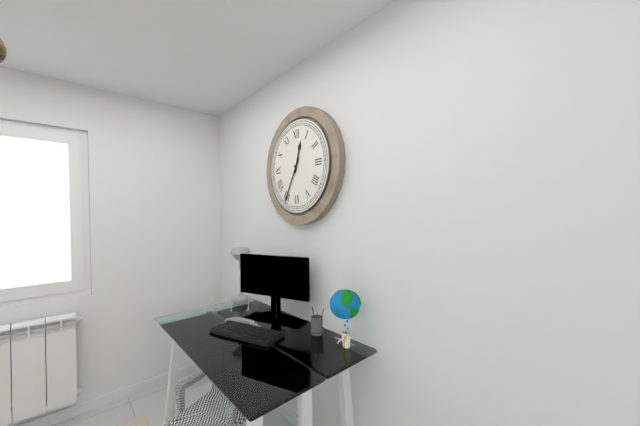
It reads 12h35
